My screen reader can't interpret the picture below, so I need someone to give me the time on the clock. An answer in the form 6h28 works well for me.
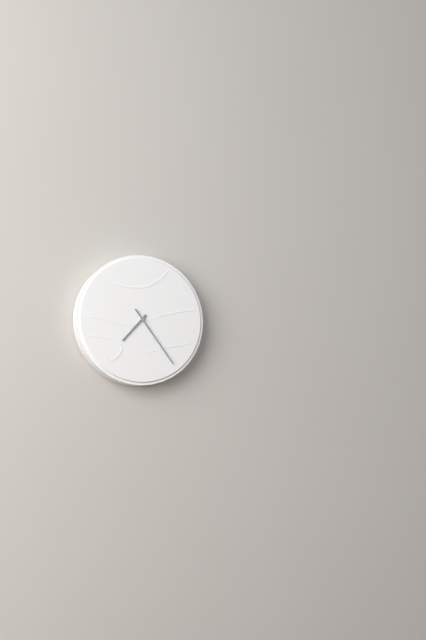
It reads 7h24
